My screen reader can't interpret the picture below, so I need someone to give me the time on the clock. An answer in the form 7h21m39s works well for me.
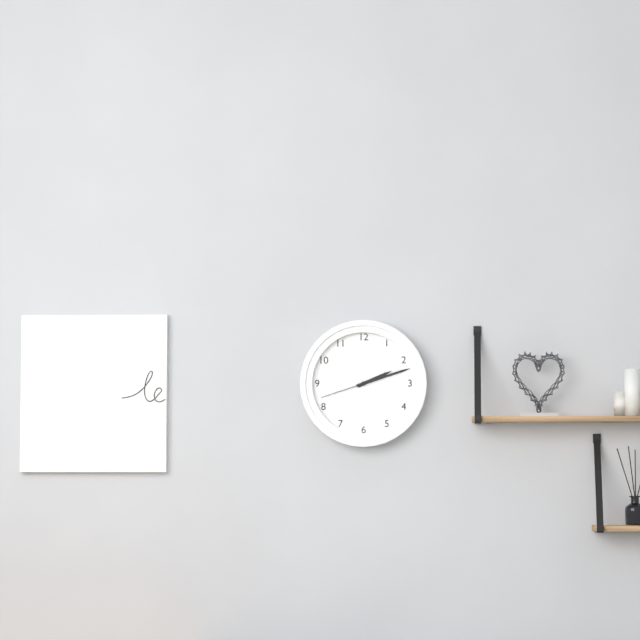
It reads 2h12m42s
